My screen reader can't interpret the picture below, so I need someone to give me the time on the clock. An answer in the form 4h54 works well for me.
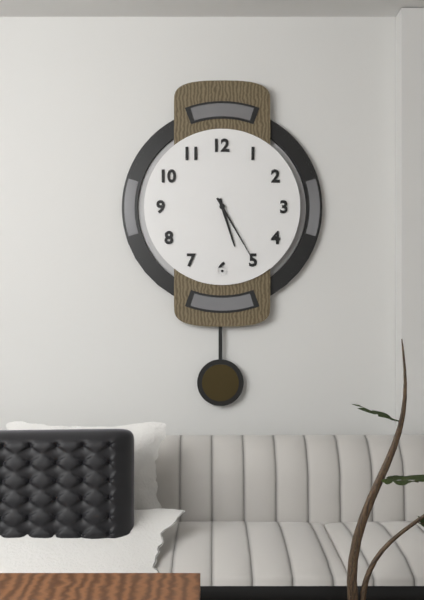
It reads 5h25
